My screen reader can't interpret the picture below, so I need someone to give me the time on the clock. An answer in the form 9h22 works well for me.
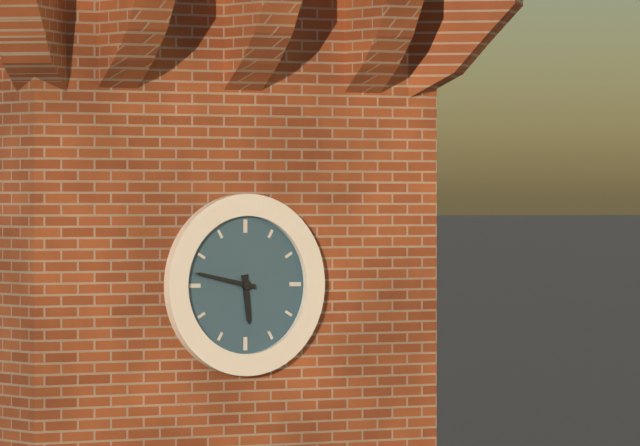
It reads 5h47
